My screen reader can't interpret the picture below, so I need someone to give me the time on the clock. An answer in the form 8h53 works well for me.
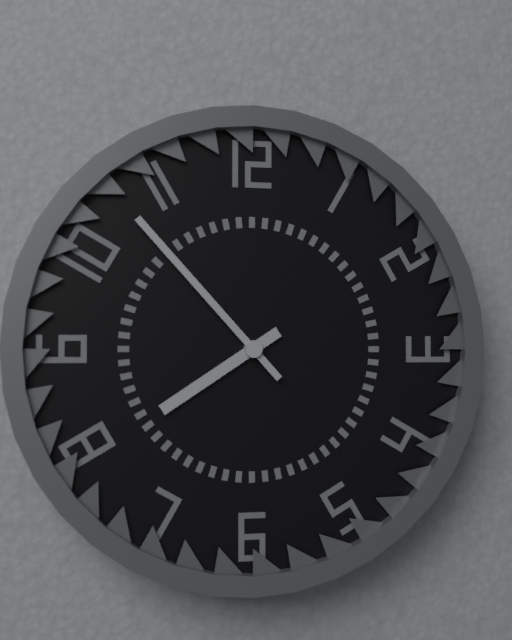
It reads 7h53
